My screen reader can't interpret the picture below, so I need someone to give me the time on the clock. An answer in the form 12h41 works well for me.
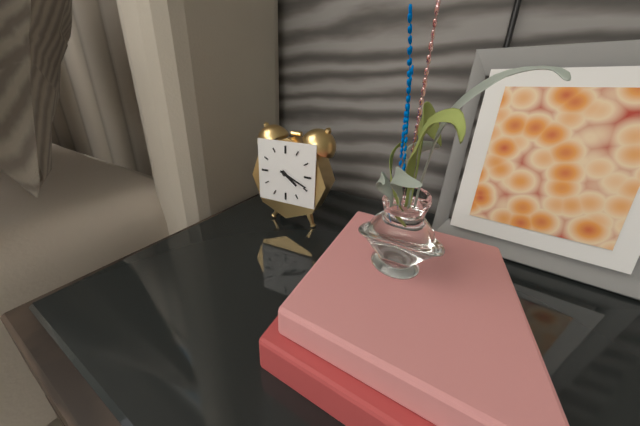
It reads 4h19
